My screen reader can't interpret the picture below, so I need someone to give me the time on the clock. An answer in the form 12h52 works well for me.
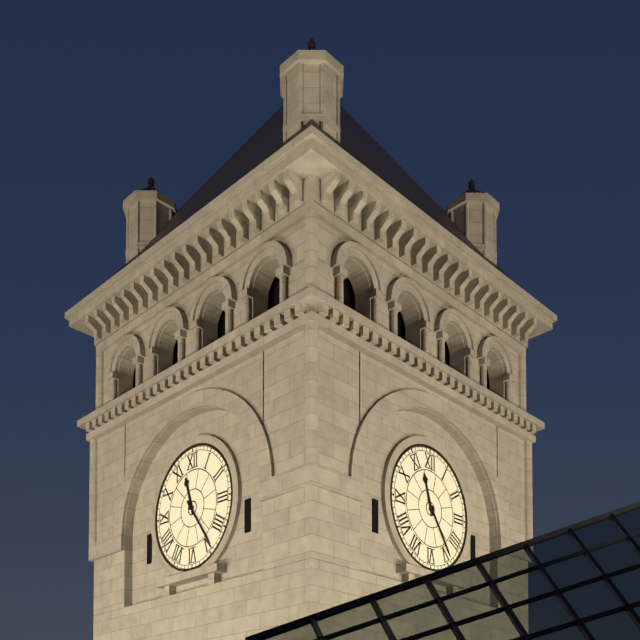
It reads 11h24
